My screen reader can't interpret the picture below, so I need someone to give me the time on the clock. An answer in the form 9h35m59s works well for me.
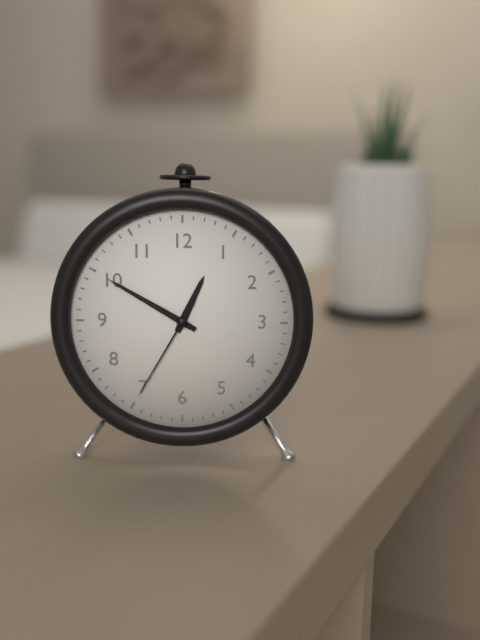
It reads 12h50m35s
